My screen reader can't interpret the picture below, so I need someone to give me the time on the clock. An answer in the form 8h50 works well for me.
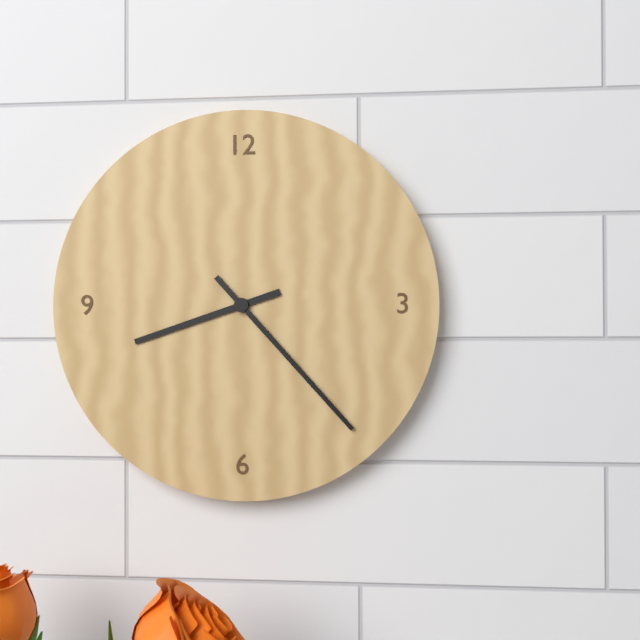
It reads 8h23
